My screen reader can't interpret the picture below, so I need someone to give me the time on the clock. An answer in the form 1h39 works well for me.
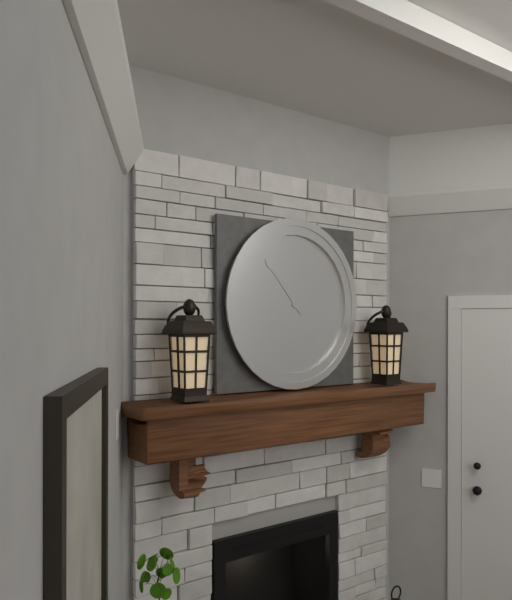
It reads 6h53
